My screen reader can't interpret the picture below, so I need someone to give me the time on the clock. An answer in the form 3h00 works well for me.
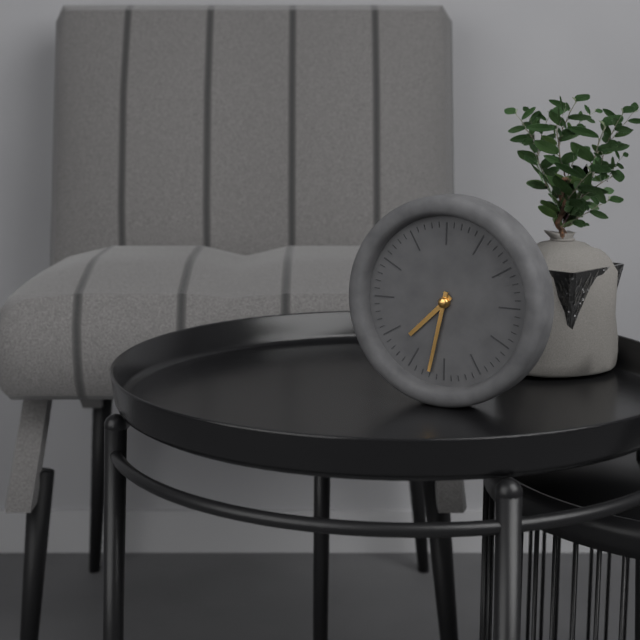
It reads 7h32
